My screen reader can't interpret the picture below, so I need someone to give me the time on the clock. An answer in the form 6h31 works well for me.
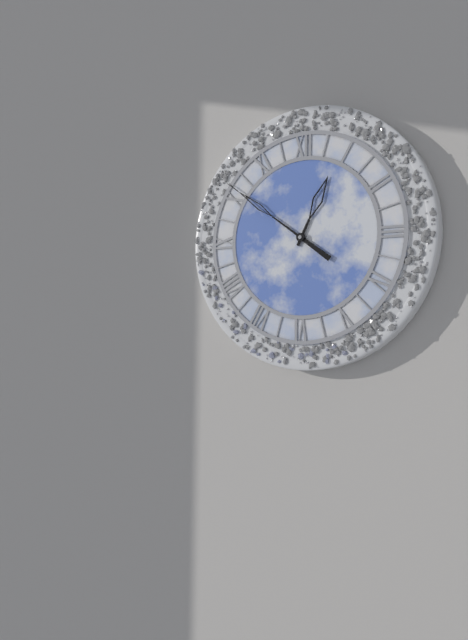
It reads 12h51
